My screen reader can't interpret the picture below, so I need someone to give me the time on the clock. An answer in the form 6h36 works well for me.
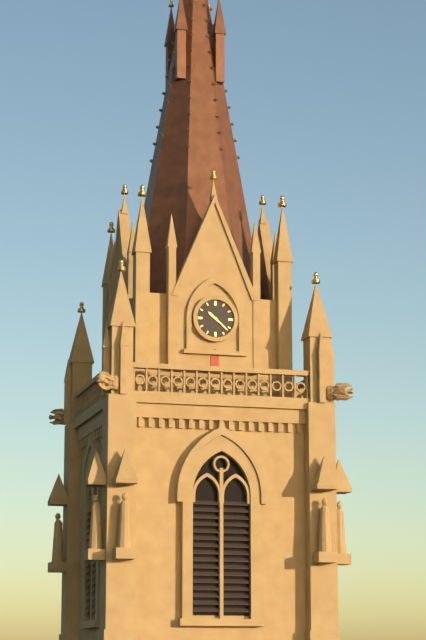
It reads 10h22
